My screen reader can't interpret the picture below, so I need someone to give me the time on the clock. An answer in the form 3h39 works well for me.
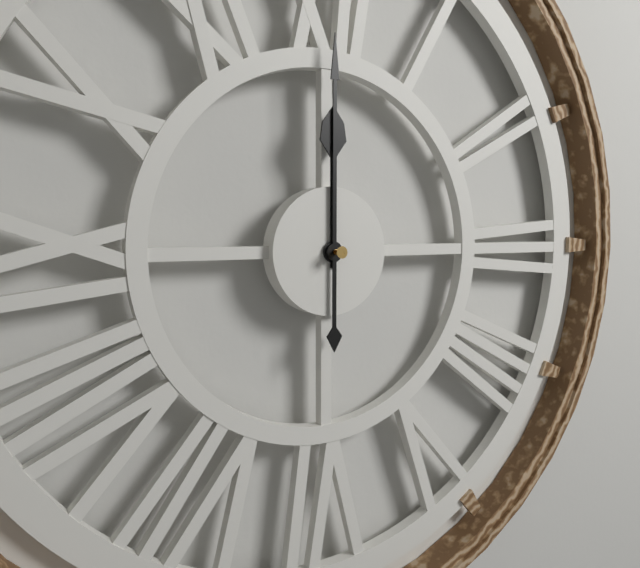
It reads 12h00
